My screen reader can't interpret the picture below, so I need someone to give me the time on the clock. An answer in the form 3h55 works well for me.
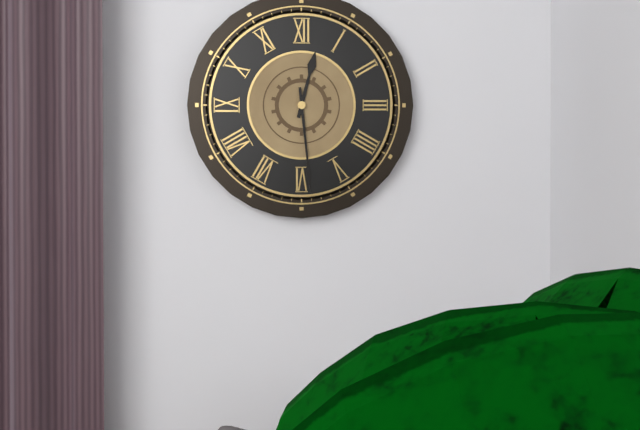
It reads 12h29
